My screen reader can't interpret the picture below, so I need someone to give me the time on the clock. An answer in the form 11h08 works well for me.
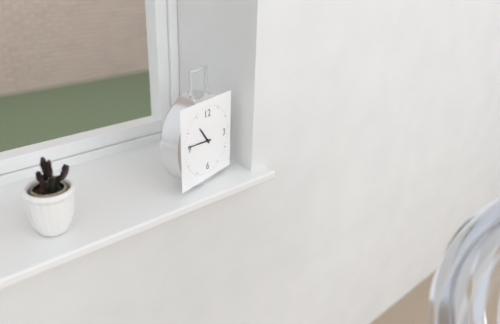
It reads 10h46
